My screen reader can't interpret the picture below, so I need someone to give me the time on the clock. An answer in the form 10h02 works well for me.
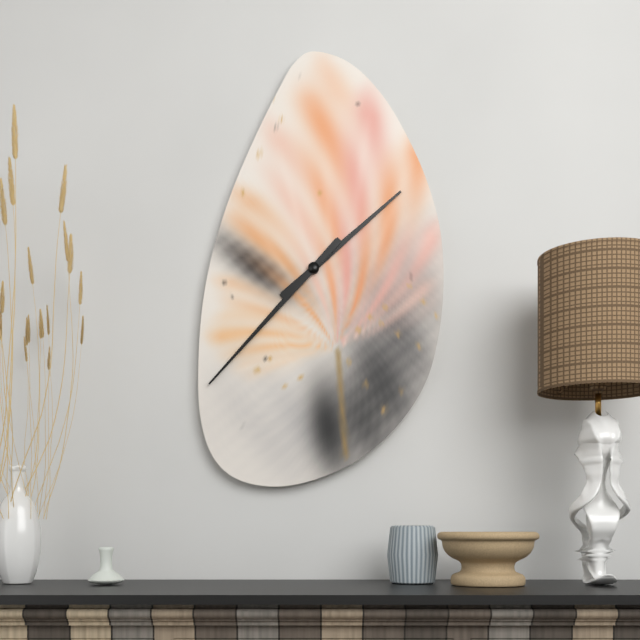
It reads 1h37
